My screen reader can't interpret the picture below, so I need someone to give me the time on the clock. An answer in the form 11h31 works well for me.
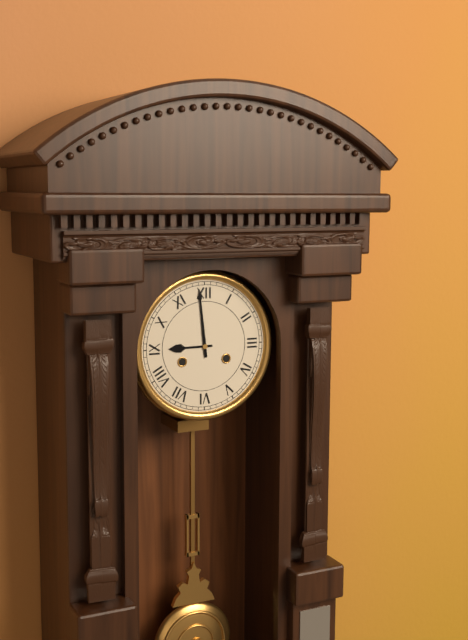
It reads 8h59
